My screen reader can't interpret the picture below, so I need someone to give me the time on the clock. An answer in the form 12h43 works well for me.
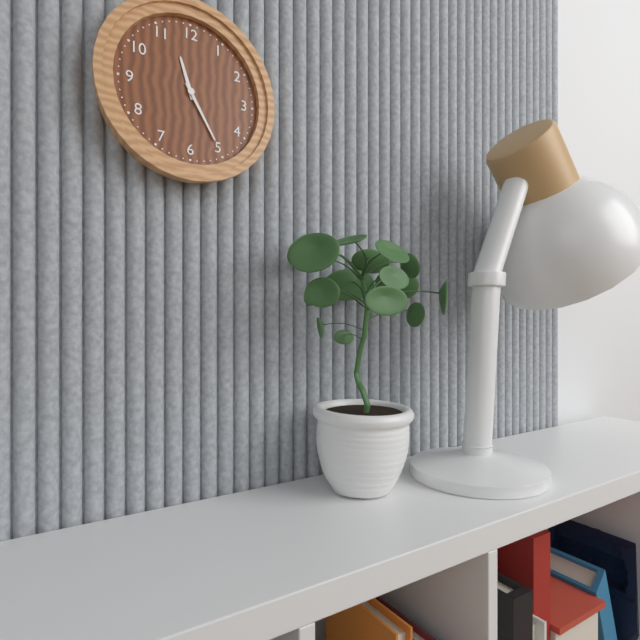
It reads 11h25
